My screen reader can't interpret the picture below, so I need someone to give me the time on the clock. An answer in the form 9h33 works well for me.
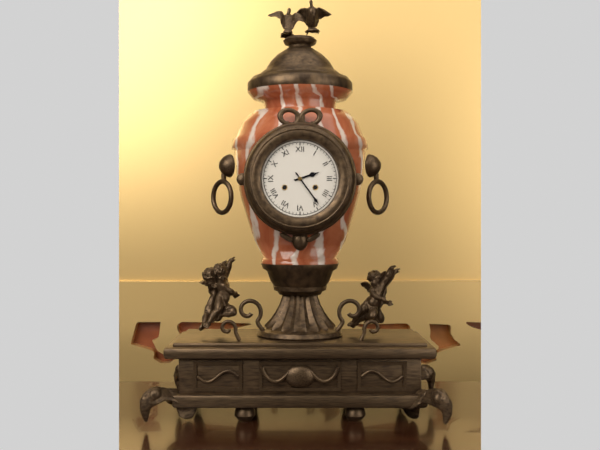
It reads 2h24
